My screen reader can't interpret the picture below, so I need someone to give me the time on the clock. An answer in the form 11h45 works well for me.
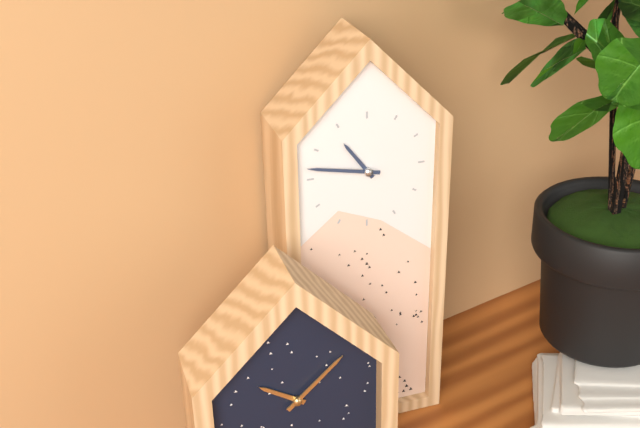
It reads 10h47
